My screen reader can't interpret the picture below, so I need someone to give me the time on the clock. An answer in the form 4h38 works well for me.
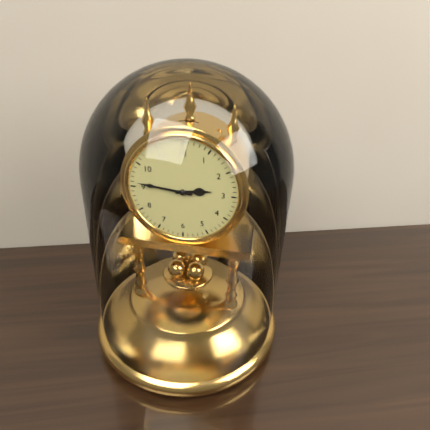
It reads 2h46
